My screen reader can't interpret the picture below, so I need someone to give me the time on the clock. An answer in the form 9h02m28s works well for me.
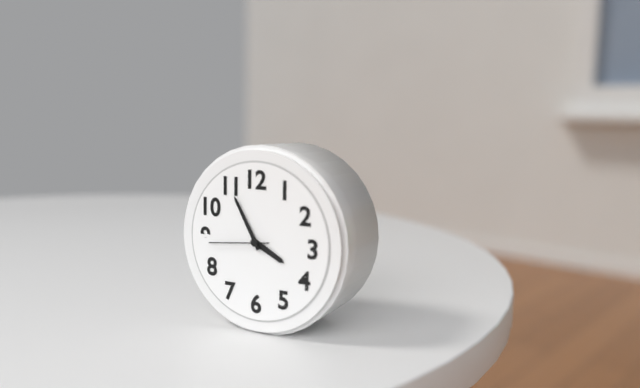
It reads 3h55m44s
